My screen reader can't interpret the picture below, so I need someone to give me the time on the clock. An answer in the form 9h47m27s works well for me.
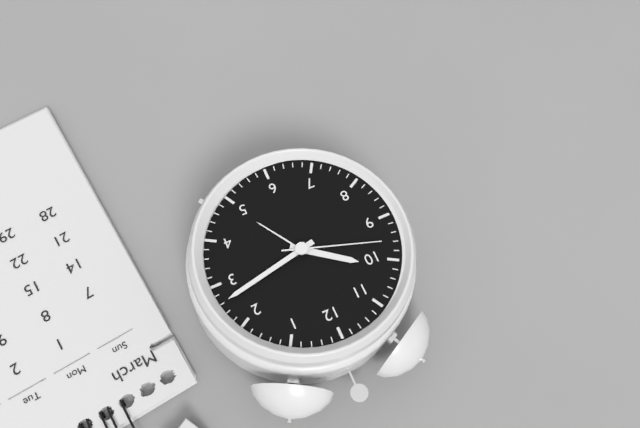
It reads 10h13m48s
